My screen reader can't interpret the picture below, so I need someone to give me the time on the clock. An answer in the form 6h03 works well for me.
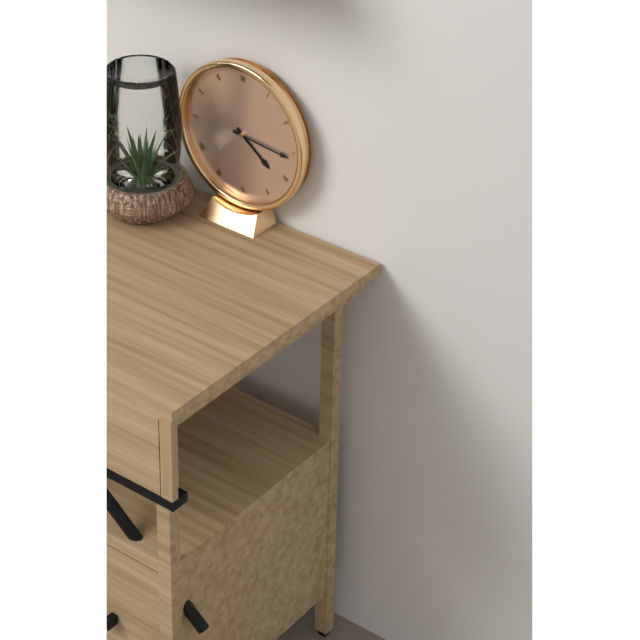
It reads 4h16
